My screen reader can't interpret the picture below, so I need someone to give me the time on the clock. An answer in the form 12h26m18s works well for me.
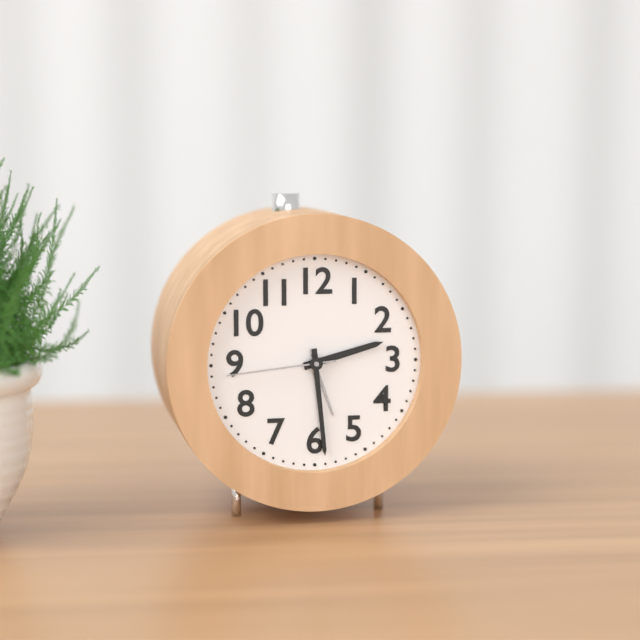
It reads 2h29m44s
